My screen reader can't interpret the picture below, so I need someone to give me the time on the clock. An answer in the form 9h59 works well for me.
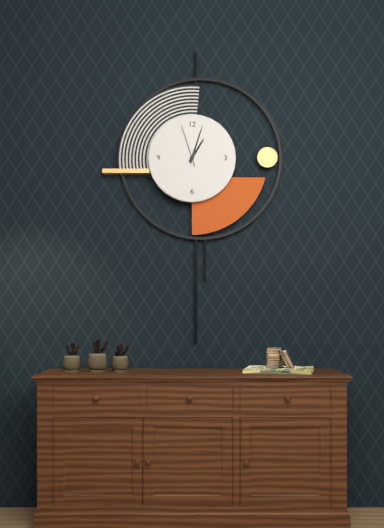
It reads 1h03
